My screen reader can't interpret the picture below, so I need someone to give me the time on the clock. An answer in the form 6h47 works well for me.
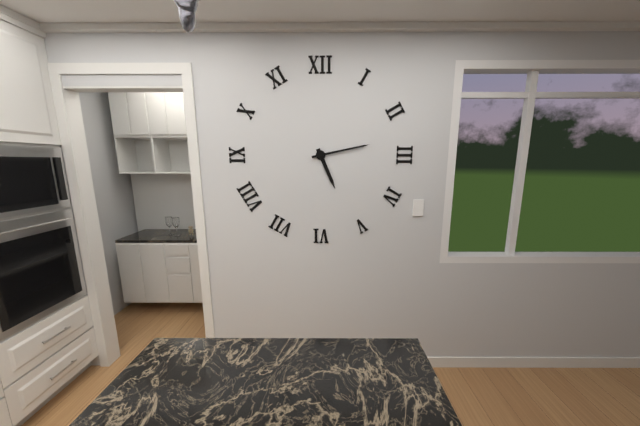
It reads 5h13
